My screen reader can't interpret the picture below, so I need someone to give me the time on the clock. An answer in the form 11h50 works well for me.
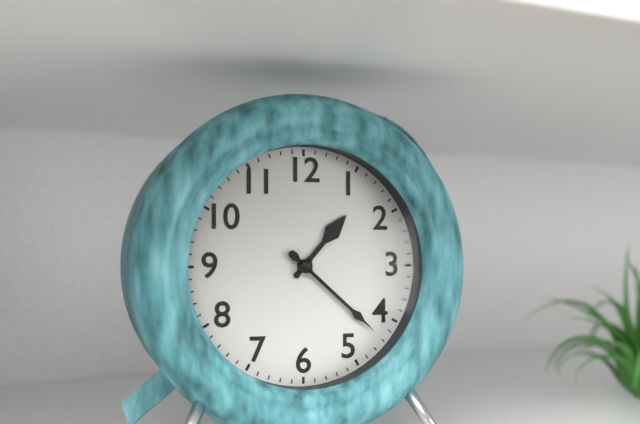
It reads 1h22
